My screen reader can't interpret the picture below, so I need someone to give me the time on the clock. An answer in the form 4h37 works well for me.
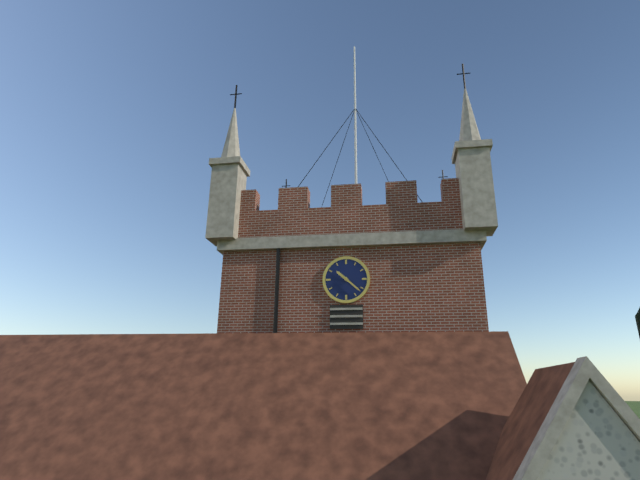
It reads 10h22
